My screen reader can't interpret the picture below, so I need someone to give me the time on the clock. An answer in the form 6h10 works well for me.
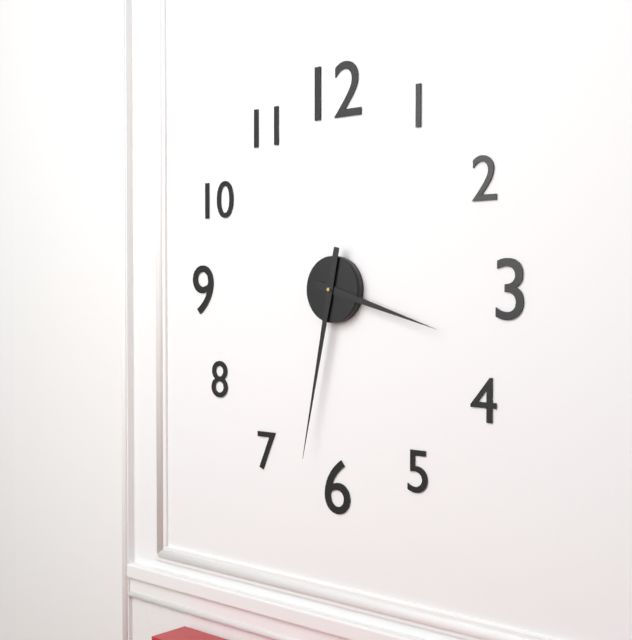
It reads 3h32
